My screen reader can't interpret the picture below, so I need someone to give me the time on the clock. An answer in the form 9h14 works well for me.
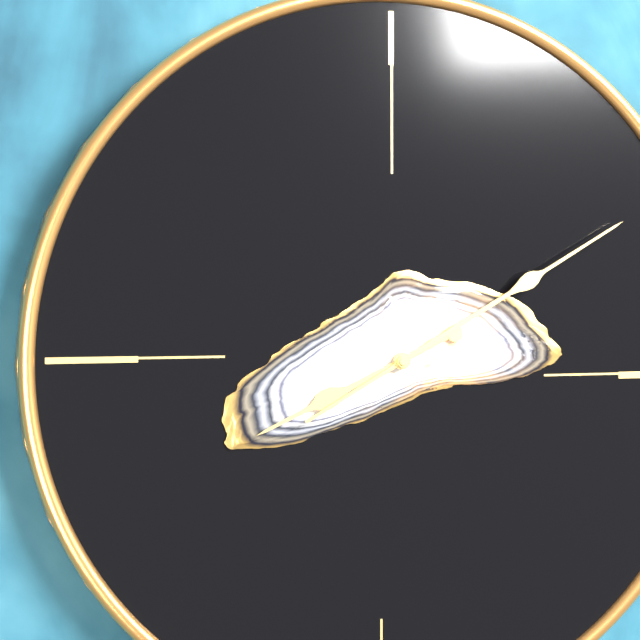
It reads 8h10
